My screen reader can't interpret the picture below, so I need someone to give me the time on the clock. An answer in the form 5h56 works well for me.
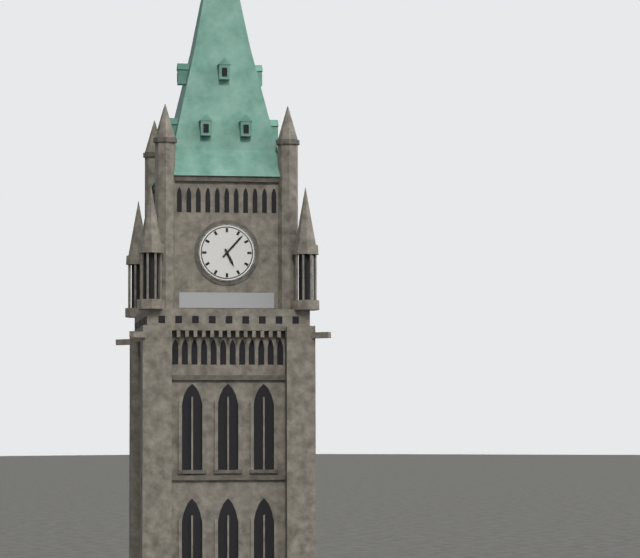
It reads 5h07
